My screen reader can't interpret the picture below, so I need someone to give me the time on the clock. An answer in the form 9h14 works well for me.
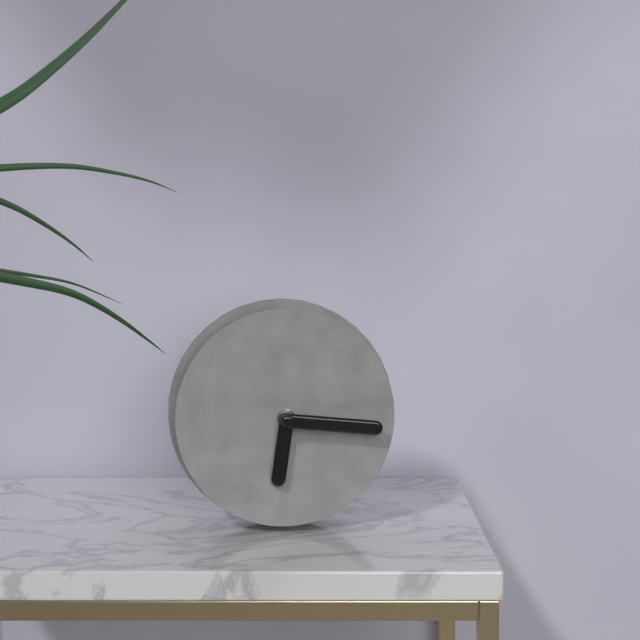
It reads 6h16
